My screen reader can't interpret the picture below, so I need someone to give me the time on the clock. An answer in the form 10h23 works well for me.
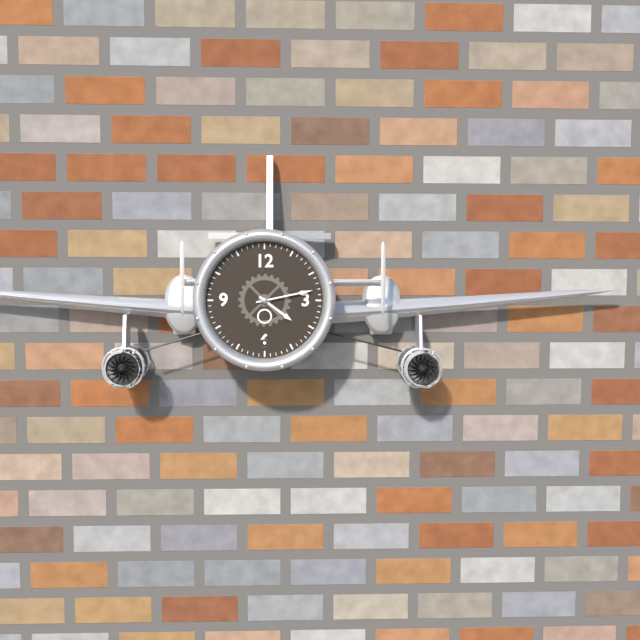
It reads 4h13
